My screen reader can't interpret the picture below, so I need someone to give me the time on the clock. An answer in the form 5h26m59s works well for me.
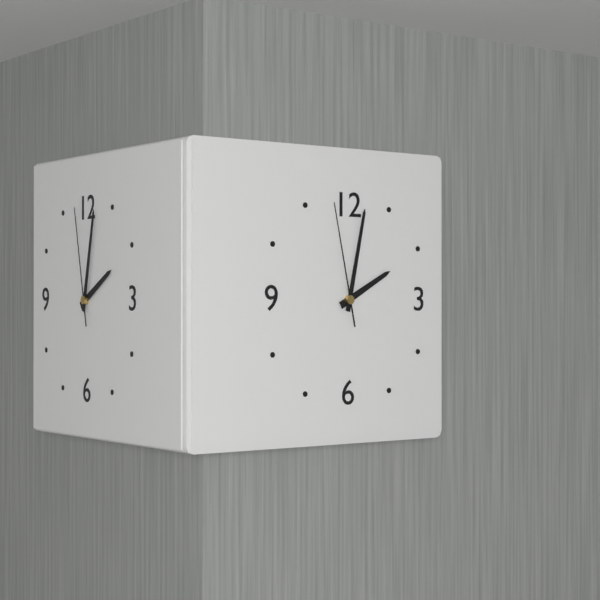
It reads 2h02m58s
